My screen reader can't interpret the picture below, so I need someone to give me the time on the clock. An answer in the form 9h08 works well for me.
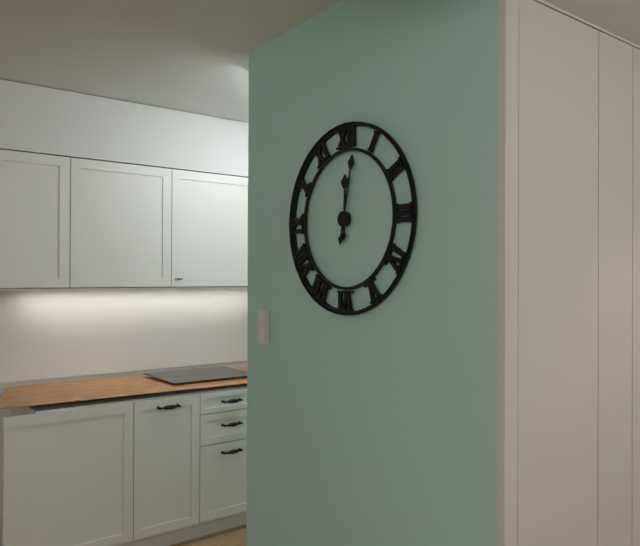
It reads 12h02
